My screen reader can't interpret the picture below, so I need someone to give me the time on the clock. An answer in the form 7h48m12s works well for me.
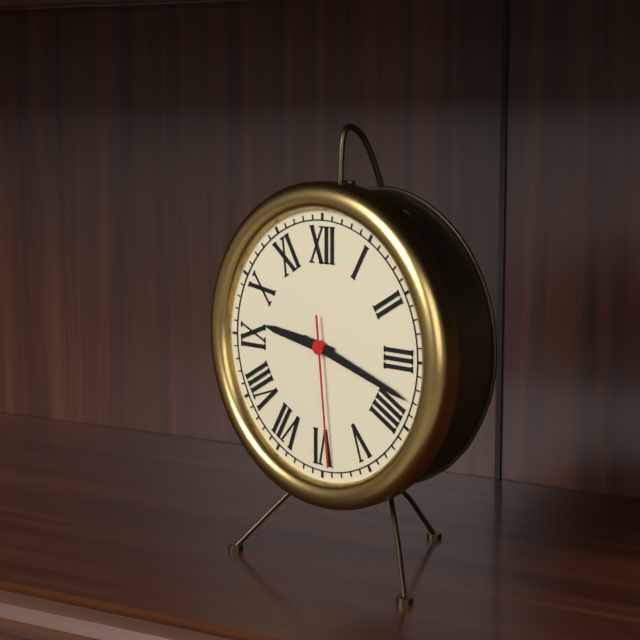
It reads 9h18m29s
